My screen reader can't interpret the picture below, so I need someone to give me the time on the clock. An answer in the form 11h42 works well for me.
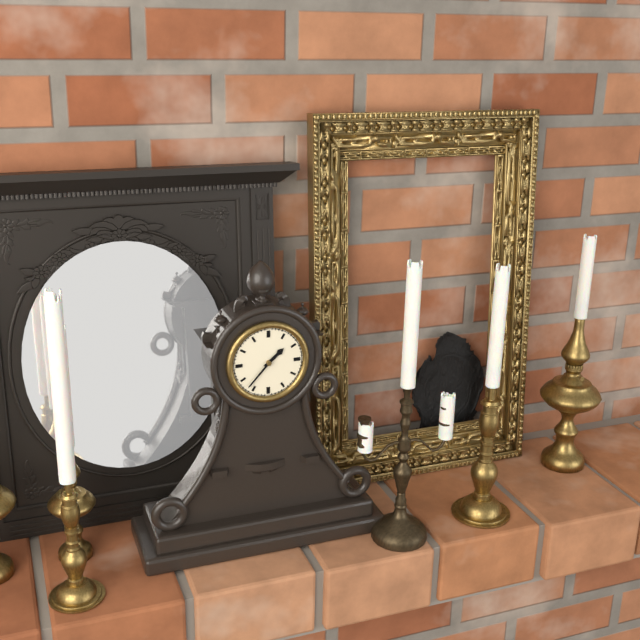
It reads 1h37
